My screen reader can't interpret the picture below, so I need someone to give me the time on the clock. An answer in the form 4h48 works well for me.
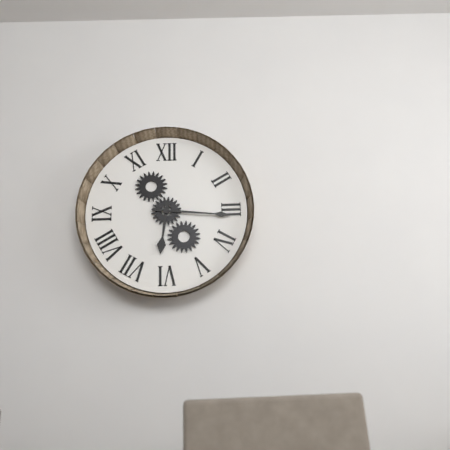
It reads 6h16
